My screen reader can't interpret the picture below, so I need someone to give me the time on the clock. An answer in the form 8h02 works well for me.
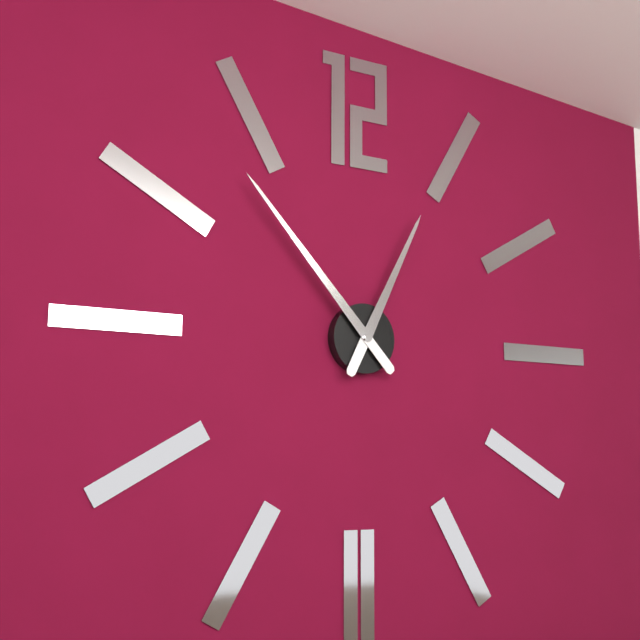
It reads 12h53
